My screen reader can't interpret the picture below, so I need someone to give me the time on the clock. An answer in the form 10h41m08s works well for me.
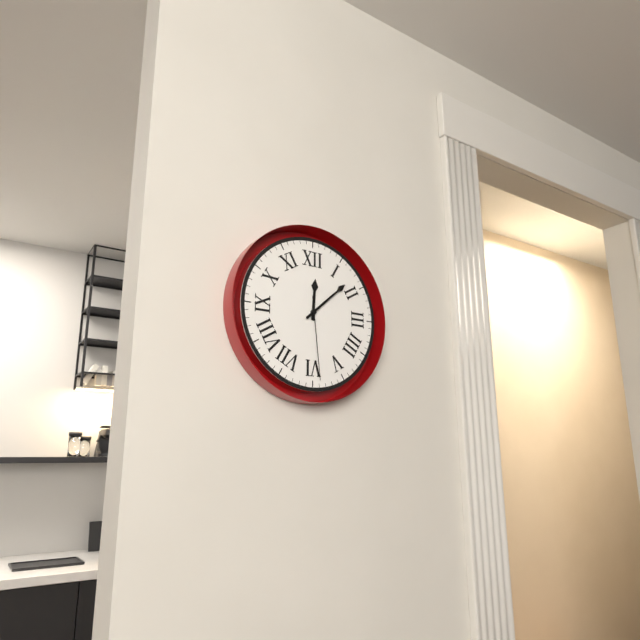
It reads 12h08m29s
